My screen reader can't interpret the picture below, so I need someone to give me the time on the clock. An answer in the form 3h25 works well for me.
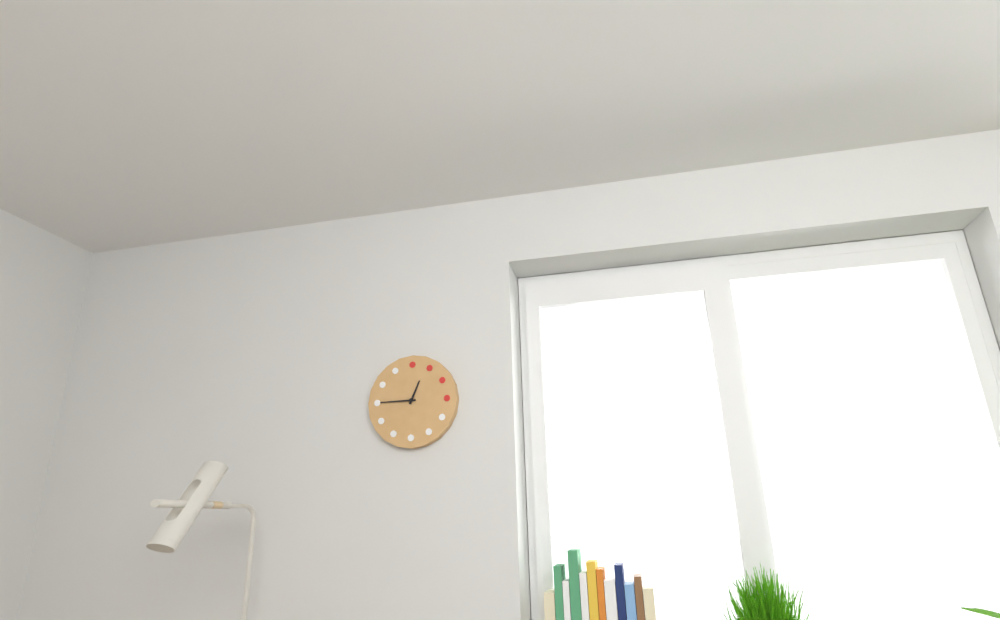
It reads 12h45
